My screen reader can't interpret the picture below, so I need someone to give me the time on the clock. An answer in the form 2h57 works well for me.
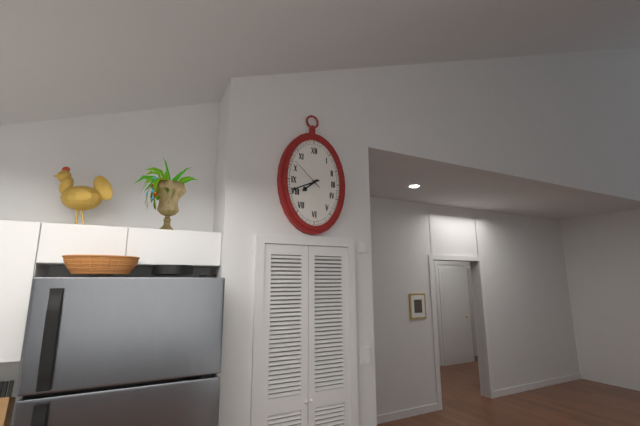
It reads 7h41
